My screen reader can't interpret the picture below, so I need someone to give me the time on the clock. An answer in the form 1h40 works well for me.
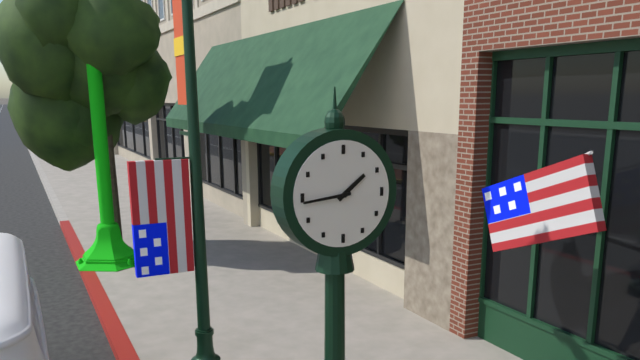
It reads 1h44
